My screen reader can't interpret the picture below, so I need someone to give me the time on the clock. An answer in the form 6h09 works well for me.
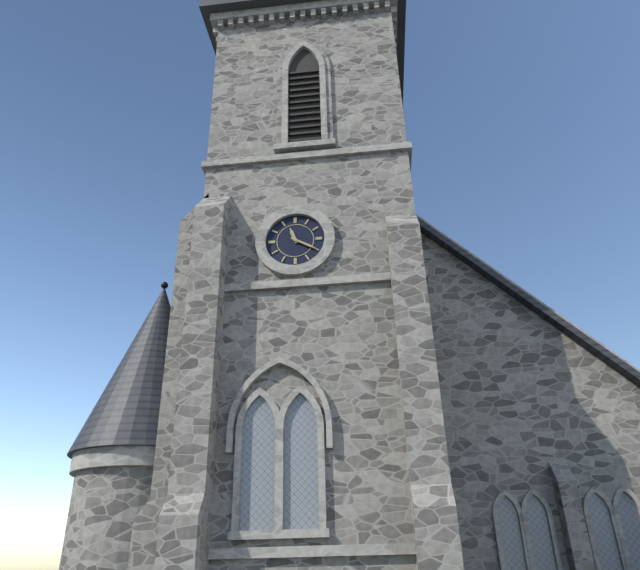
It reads 11h20
